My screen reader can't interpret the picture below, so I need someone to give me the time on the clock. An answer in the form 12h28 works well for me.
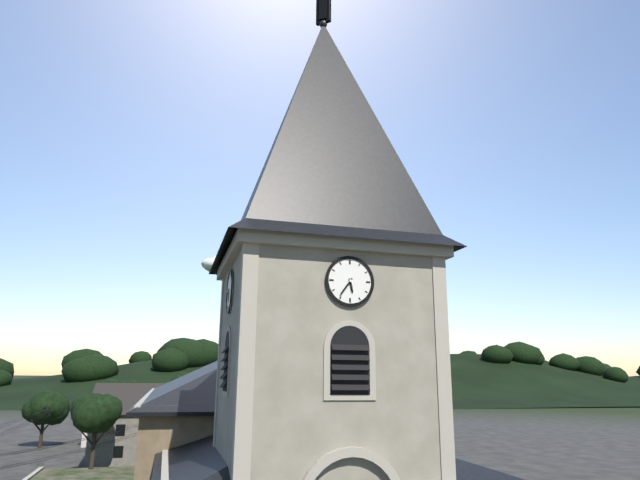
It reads 5h36
